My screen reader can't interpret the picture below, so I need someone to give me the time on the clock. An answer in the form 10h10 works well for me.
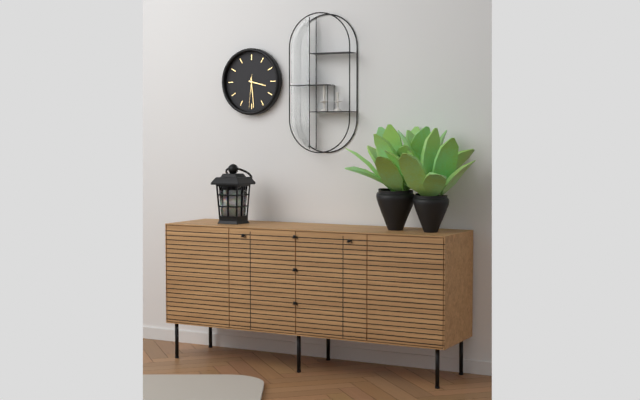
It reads 3h29
